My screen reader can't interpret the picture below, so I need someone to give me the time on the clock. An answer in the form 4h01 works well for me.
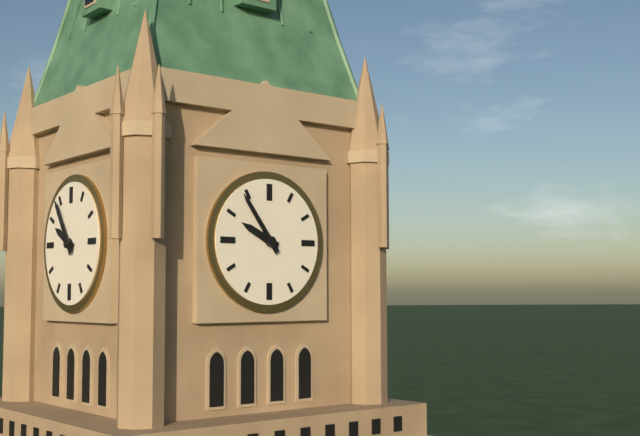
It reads 9h54
